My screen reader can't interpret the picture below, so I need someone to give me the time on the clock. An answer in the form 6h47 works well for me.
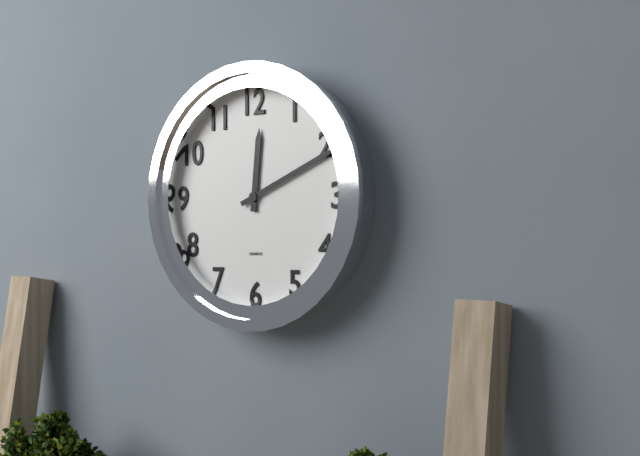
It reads 12h11
